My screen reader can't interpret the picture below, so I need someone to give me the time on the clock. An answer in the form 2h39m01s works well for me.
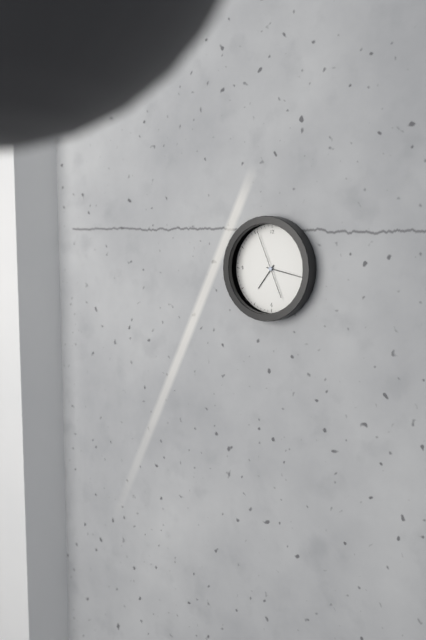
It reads 7h17m56s
